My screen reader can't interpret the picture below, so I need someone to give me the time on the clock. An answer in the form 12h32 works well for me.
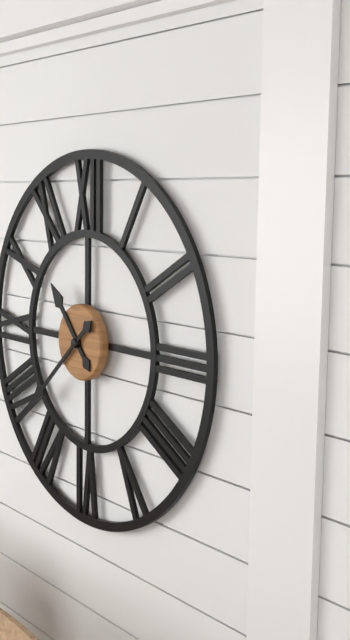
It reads 10h38
